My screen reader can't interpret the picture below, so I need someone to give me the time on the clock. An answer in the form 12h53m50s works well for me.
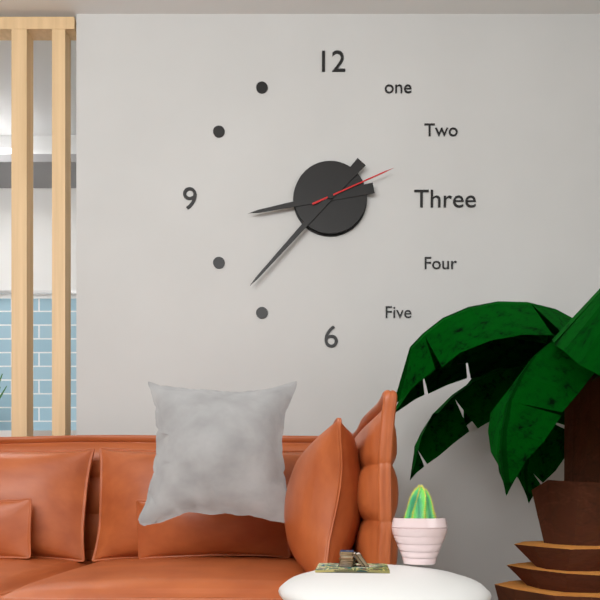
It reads 8h37m11s
